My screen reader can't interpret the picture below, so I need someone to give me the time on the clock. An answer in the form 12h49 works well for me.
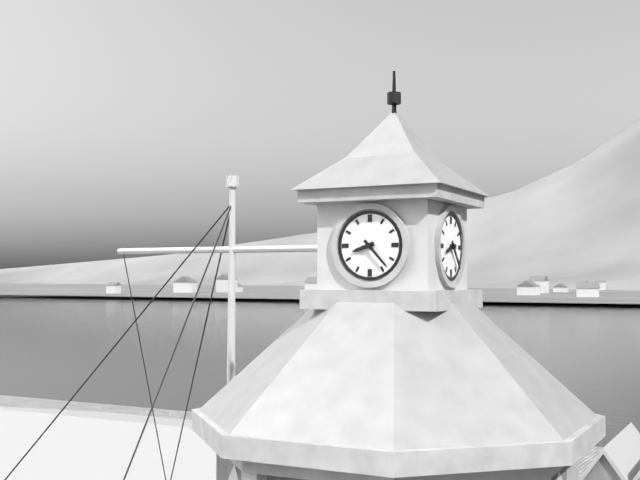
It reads 8h23
